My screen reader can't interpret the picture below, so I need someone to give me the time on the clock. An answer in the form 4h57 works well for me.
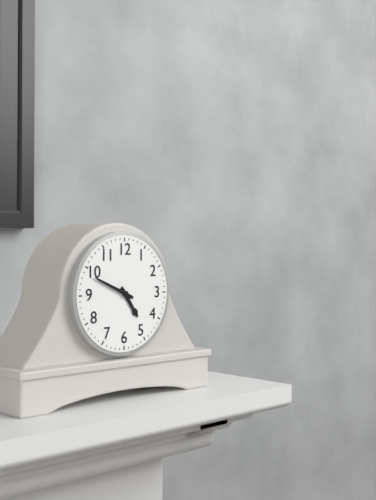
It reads 4h49
